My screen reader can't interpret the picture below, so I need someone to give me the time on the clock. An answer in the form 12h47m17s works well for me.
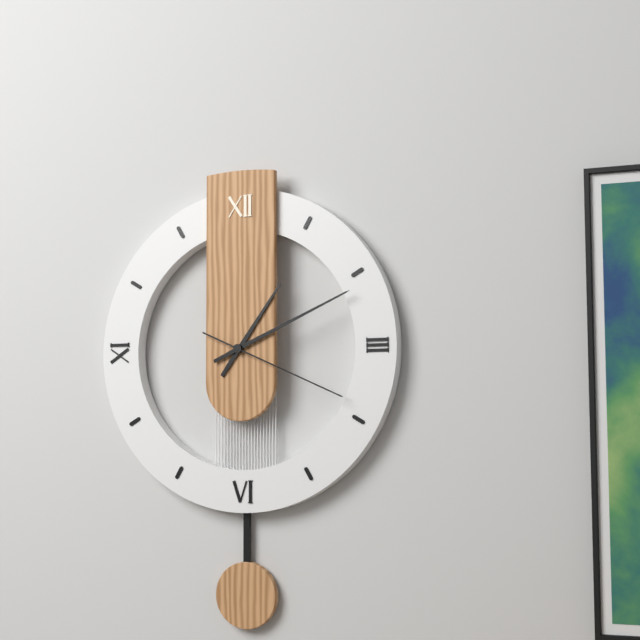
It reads 1h11m19s
